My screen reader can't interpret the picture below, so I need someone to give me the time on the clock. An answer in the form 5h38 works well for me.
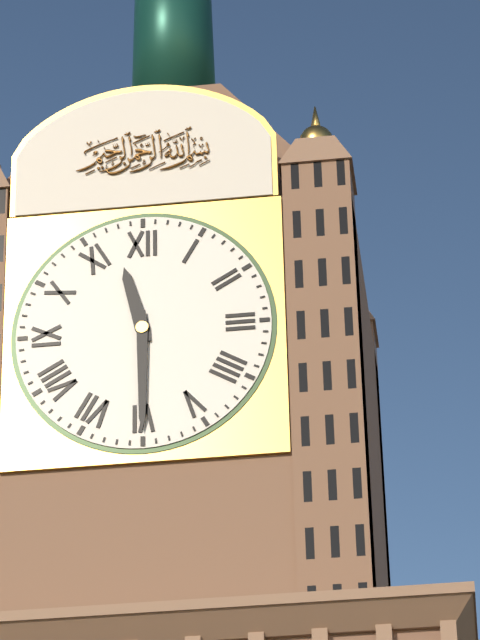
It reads 11h30
